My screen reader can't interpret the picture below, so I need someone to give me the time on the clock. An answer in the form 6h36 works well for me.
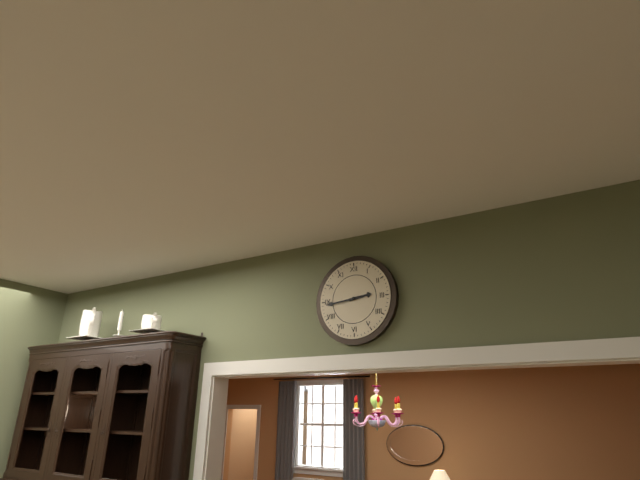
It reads 2h44
